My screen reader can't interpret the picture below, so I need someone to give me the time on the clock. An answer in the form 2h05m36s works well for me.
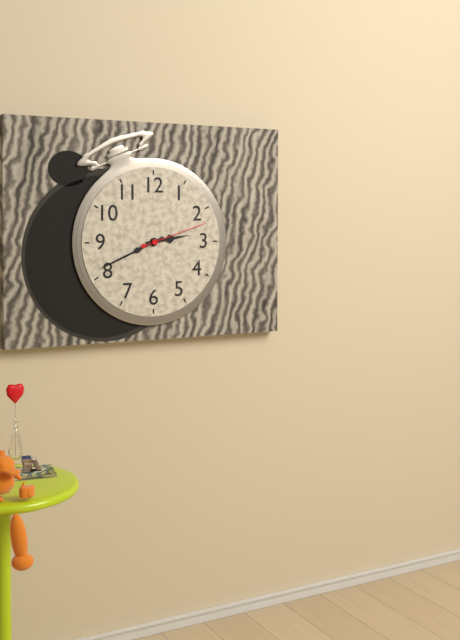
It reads 2h41m12s
